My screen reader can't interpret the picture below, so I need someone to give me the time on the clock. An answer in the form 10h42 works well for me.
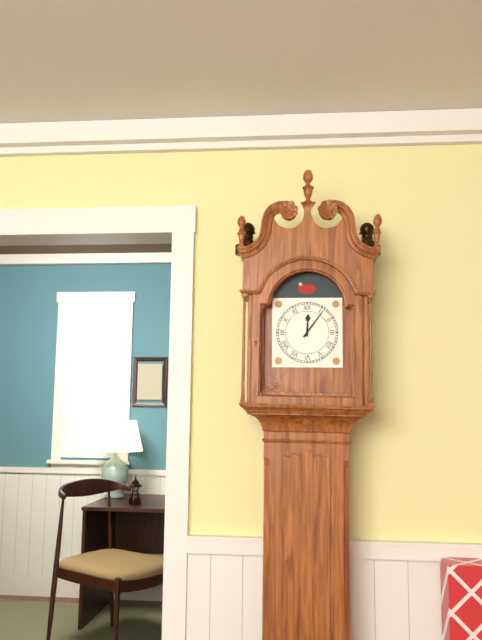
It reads 12h06
